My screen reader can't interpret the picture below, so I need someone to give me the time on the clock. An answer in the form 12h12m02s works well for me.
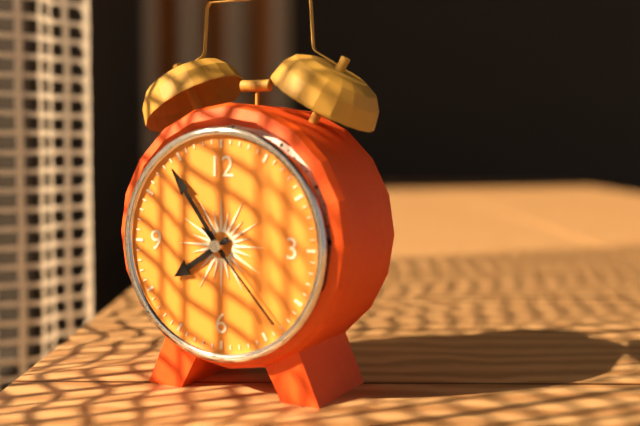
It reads 7h54m23s
